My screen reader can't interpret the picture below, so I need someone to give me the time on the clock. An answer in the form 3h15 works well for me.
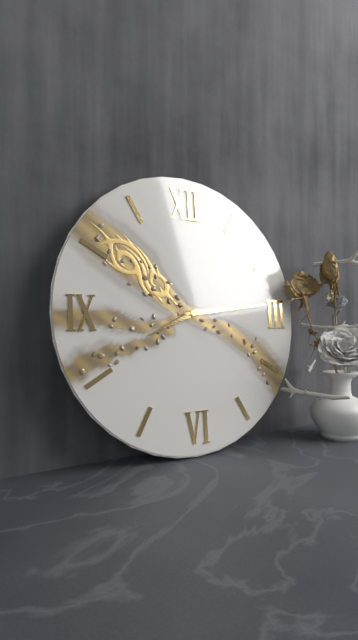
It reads 8h14
